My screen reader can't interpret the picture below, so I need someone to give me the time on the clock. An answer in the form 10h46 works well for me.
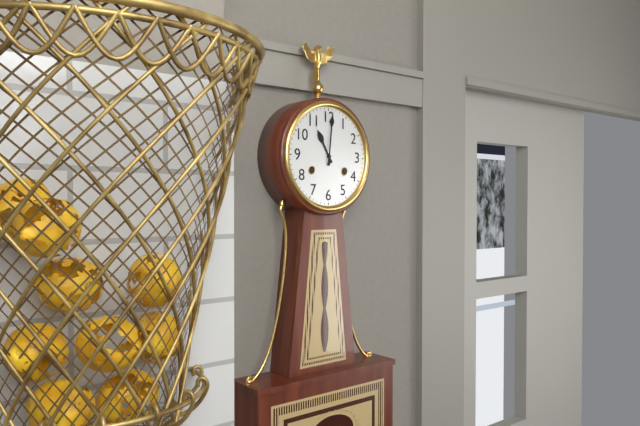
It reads 11h01
